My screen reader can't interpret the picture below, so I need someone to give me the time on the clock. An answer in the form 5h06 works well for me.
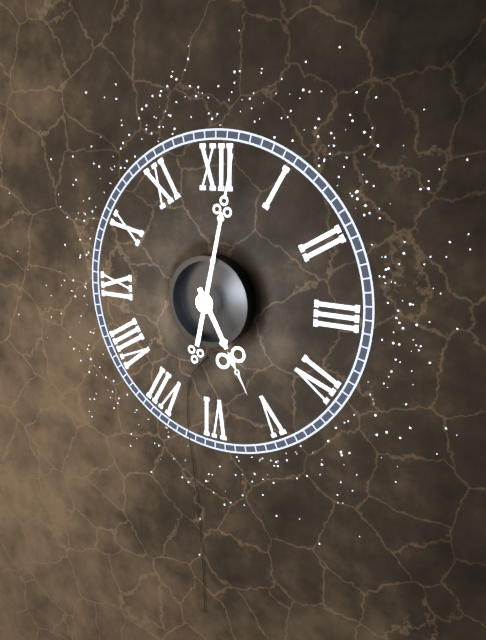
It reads 5h02
